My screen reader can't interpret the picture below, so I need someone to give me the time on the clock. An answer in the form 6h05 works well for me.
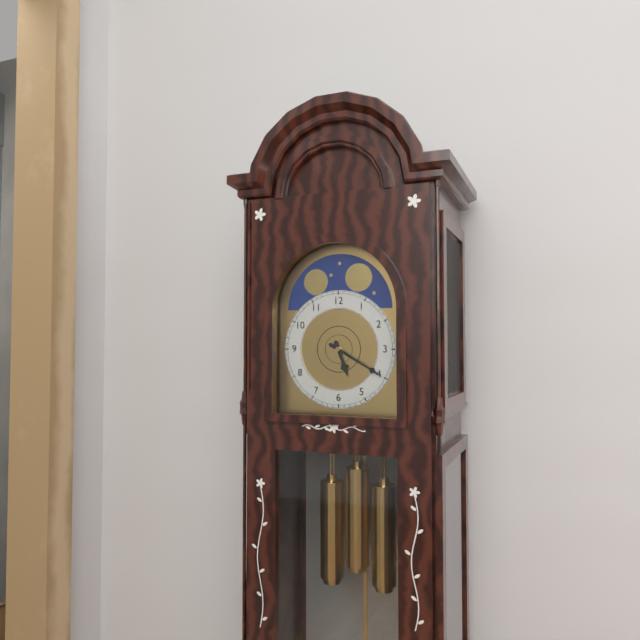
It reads 5h20
